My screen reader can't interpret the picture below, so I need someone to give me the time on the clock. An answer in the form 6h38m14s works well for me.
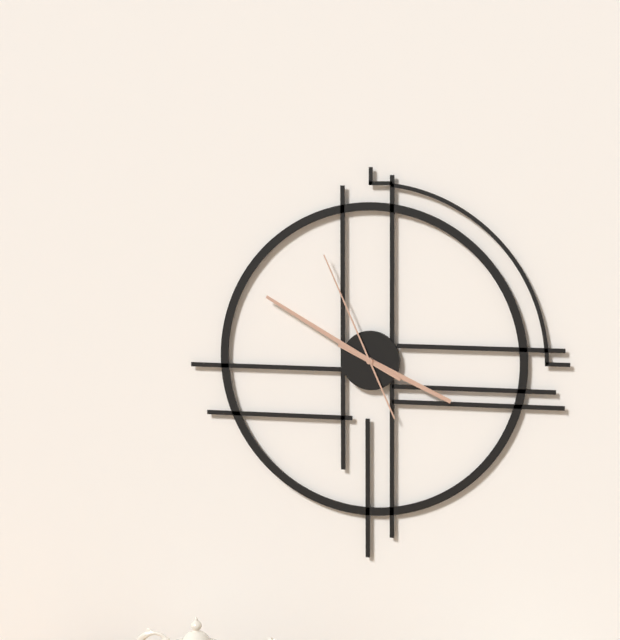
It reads 3h50m56s
